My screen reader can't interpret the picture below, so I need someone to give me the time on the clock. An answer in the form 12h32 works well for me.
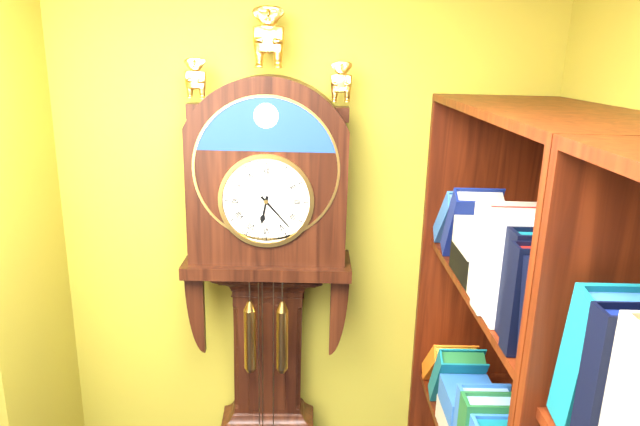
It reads 6h23
